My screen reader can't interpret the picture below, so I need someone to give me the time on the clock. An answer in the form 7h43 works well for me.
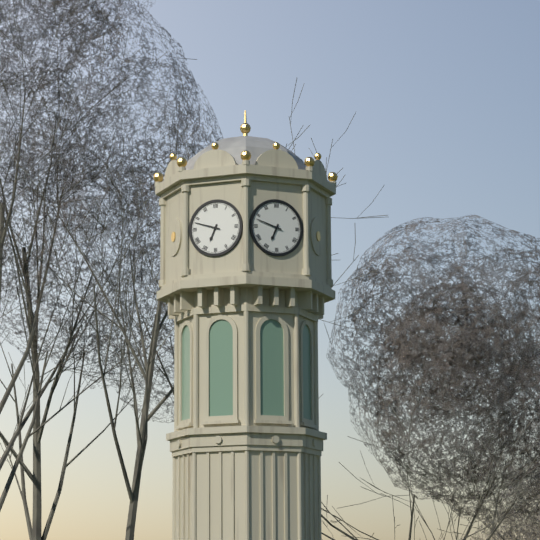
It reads 6h48
